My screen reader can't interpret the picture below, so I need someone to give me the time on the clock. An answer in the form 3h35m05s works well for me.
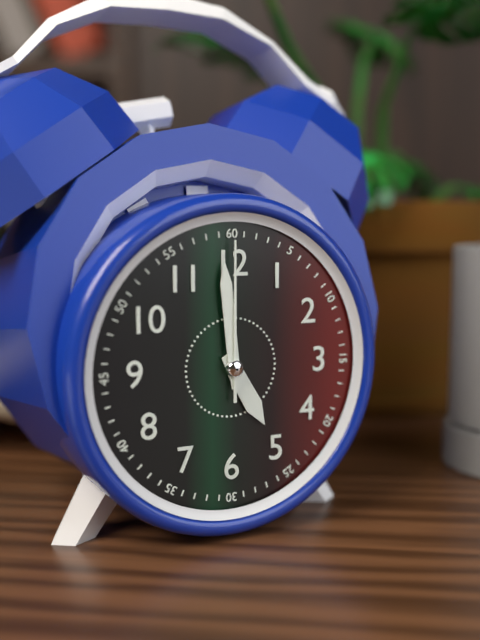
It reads 4h59m00s
